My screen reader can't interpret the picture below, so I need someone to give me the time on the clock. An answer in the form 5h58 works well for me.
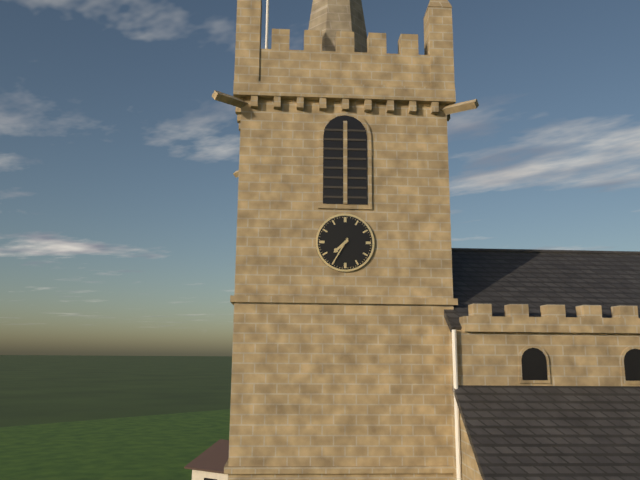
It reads 7h35
